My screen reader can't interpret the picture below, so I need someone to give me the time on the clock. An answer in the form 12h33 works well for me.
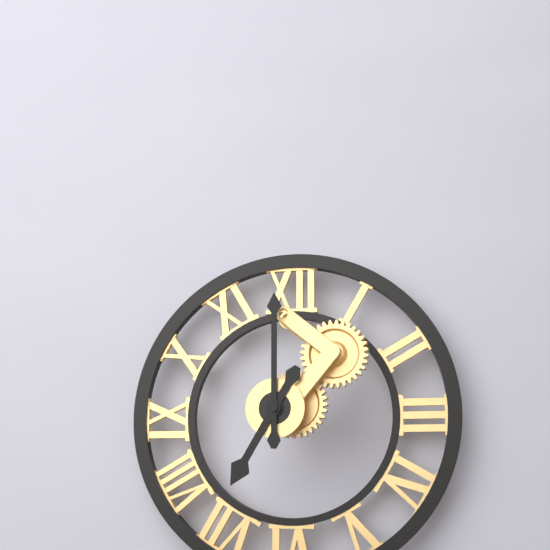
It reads 7h00
